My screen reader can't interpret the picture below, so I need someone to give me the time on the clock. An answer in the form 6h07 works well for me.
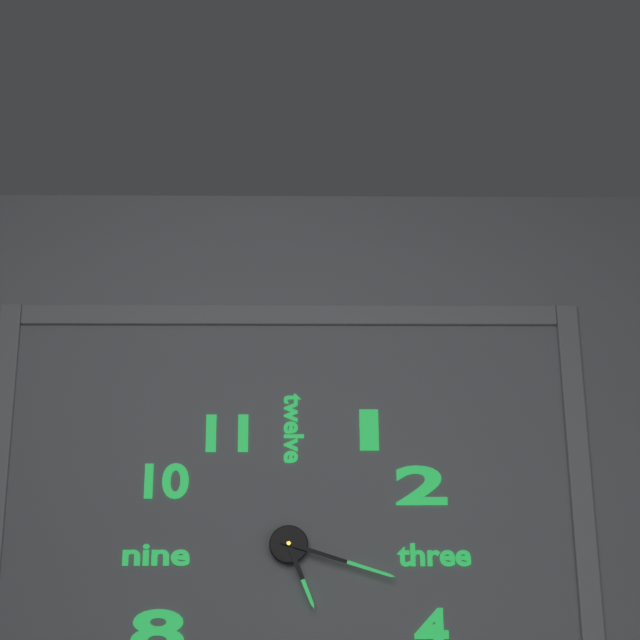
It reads 5h18
